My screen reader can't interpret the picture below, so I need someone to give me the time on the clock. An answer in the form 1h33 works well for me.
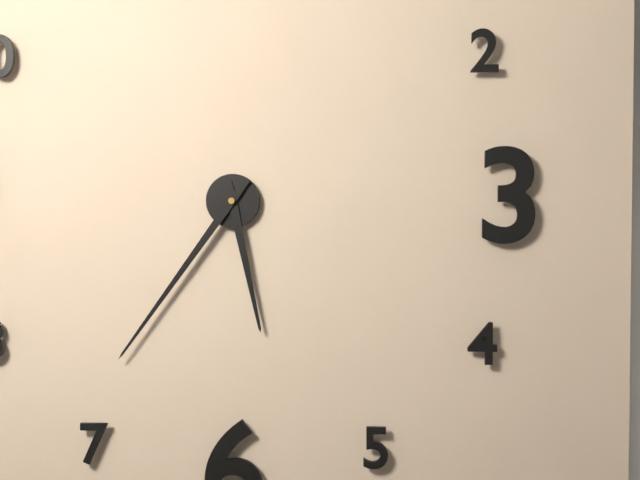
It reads 5h36
